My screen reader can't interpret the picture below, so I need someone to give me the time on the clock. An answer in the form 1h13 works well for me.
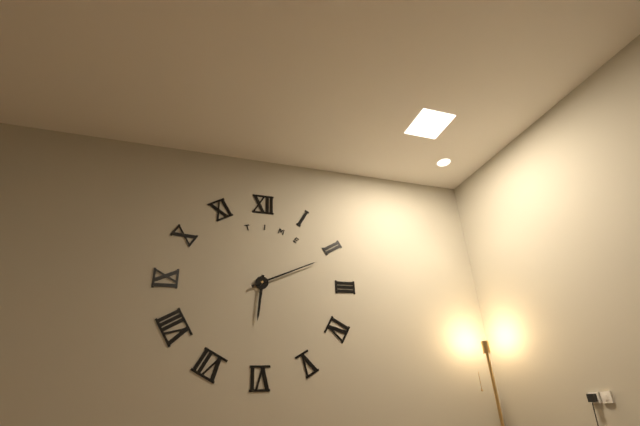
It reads 6h11
